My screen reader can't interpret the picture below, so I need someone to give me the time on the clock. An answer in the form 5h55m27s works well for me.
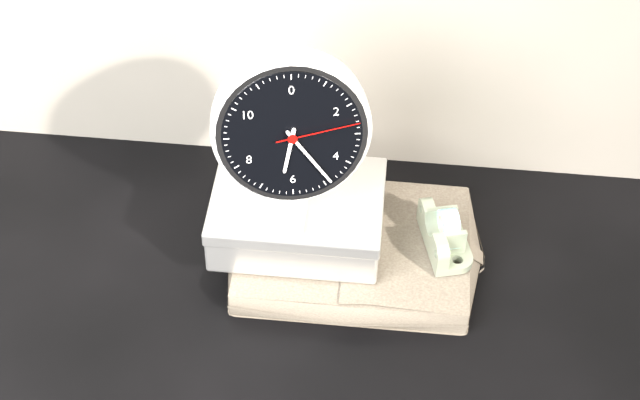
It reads 6h24m13s
